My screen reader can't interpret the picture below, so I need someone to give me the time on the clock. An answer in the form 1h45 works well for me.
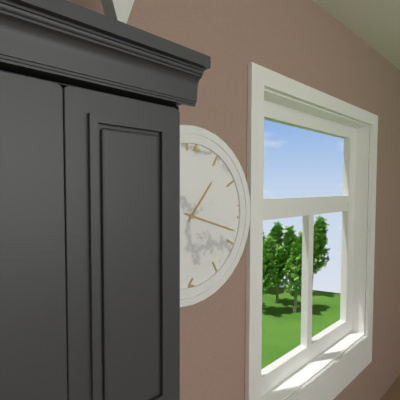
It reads 1h18
